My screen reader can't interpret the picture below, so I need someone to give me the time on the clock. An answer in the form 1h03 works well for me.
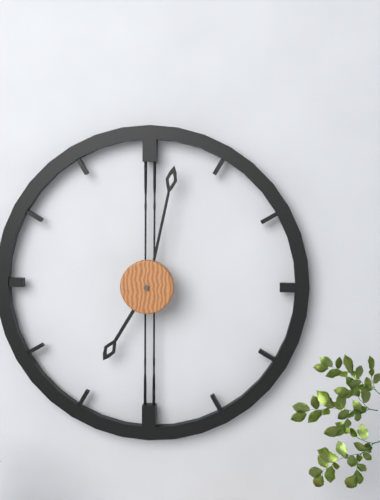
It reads 7h02
